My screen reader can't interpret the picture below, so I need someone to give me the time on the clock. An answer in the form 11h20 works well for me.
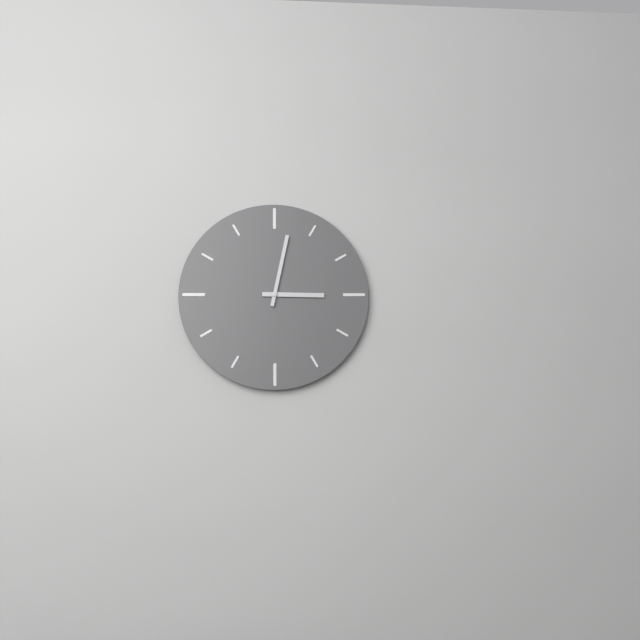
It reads 3h02
